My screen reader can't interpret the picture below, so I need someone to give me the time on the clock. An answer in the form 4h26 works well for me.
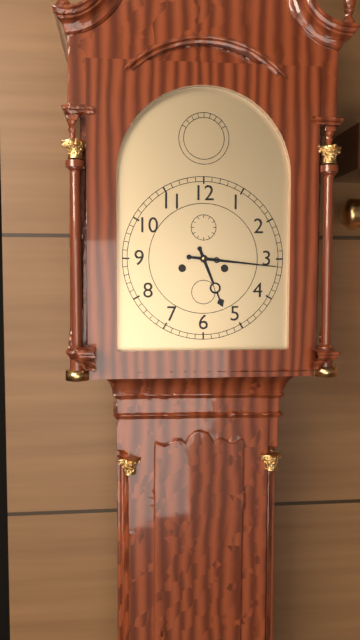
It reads 5h16
